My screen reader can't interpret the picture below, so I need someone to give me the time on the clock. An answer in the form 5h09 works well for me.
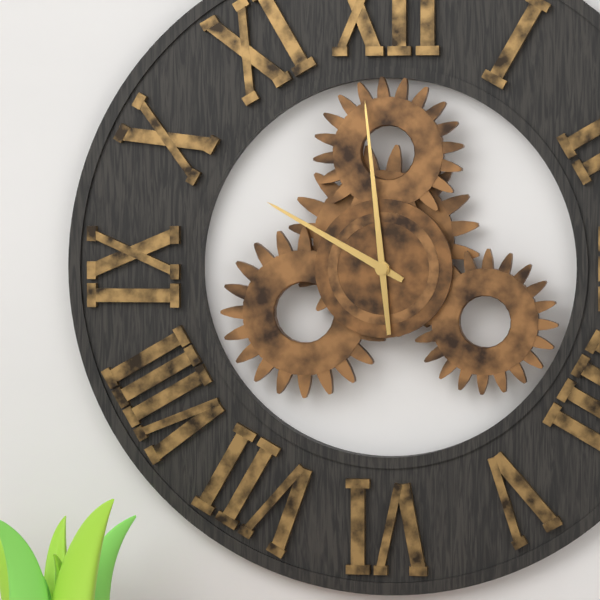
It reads 9h59
